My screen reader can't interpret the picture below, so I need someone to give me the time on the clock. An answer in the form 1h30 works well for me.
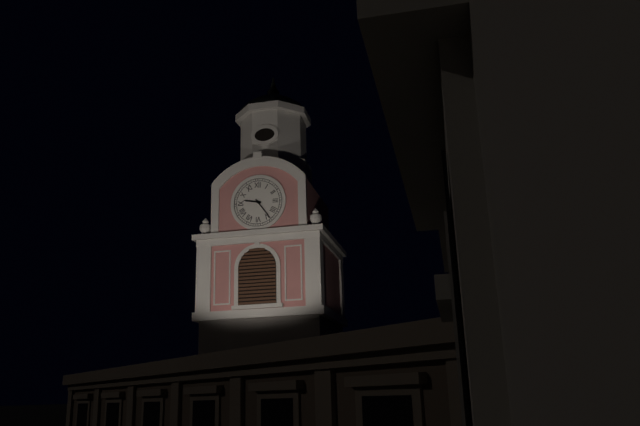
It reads 9h24
